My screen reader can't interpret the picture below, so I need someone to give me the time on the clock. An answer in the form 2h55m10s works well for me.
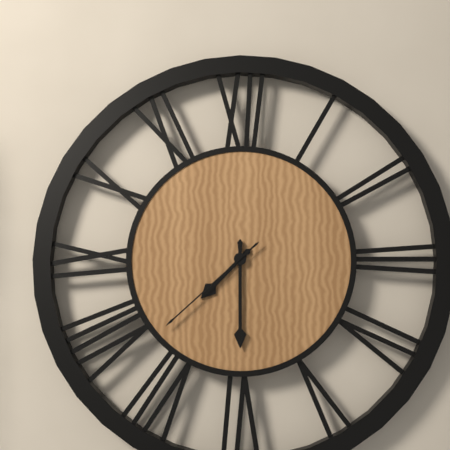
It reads 7h30m38s
